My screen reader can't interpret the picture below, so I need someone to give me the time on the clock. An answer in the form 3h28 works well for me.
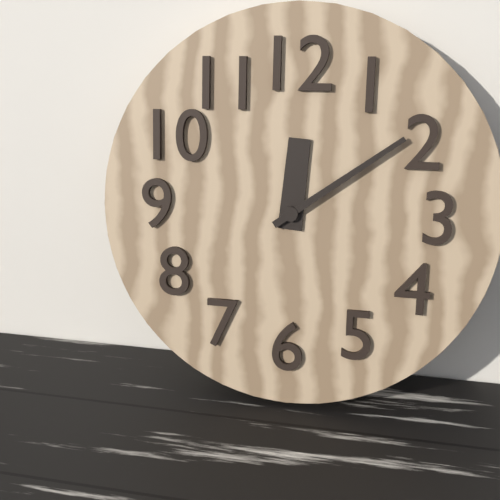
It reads 12h09
